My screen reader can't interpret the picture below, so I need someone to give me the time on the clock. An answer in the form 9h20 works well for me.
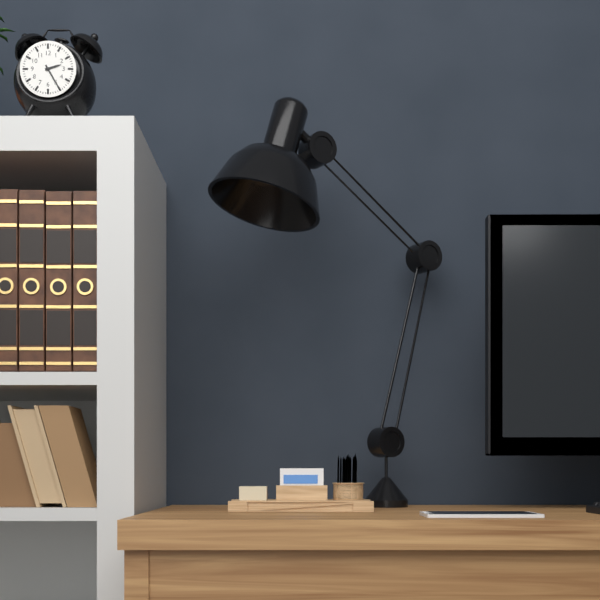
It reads 2h25
